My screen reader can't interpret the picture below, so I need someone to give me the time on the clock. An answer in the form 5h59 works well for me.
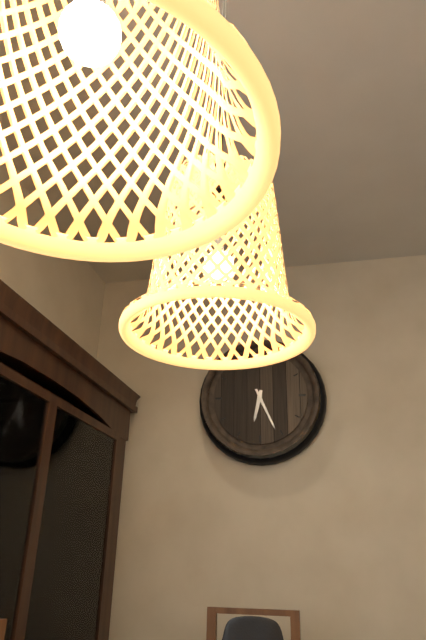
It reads 6h26
